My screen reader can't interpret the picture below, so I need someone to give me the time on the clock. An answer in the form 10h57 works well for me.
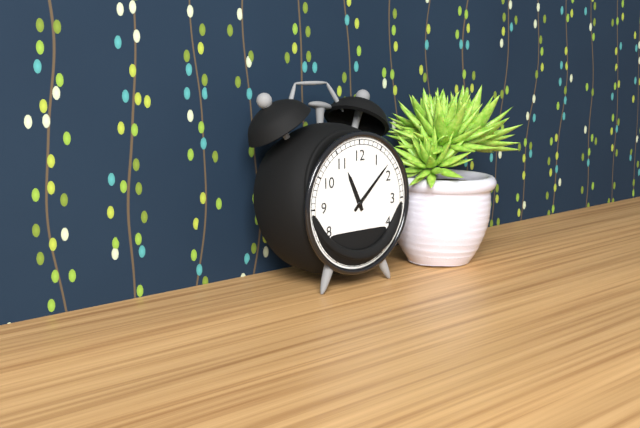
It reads 11h08
